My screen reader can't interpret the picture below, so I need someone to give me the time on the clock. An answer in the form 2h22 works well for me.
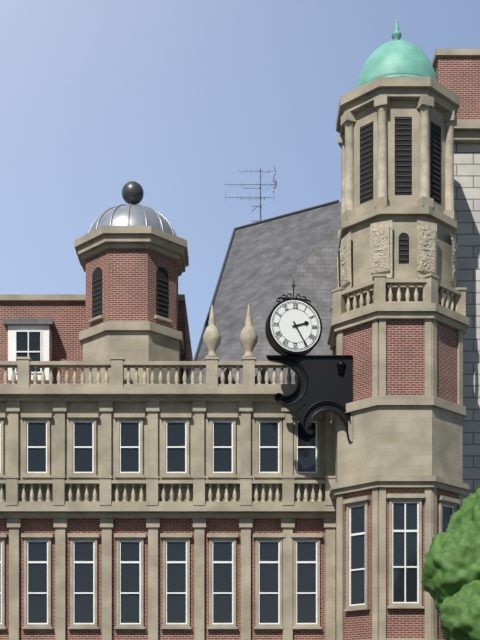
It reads 2h25
